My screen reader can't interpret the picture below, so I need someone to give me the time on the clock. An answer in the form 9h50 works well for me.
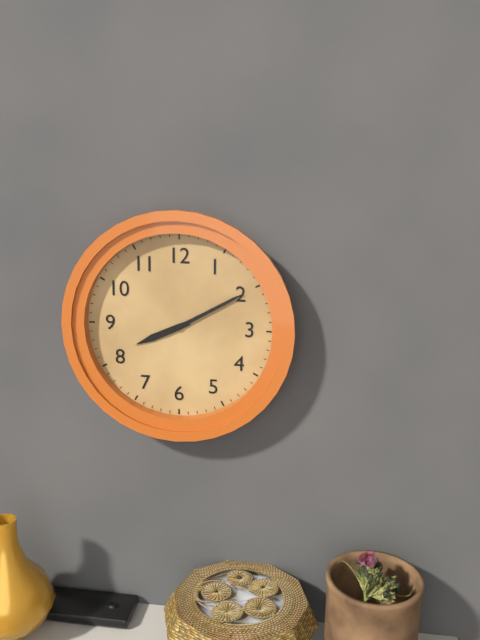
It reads 8h10
